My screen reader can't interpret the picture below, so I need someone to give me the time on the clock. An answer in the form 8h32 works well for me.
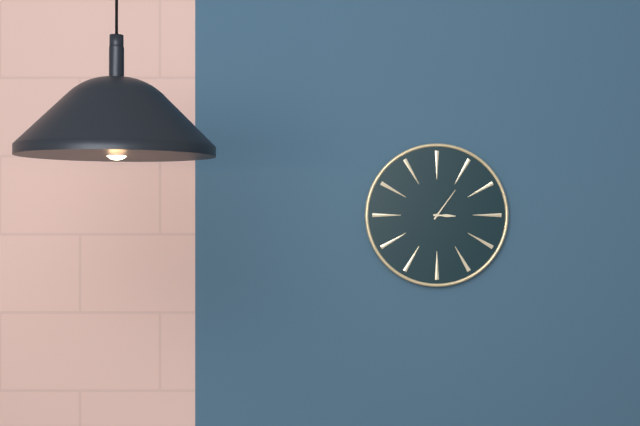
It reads 3h06
